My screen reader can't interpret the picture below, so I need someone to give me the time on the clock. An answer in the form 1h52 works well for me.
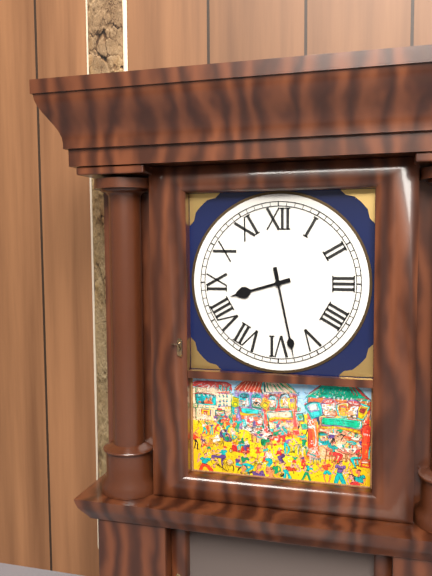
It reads 8h28
